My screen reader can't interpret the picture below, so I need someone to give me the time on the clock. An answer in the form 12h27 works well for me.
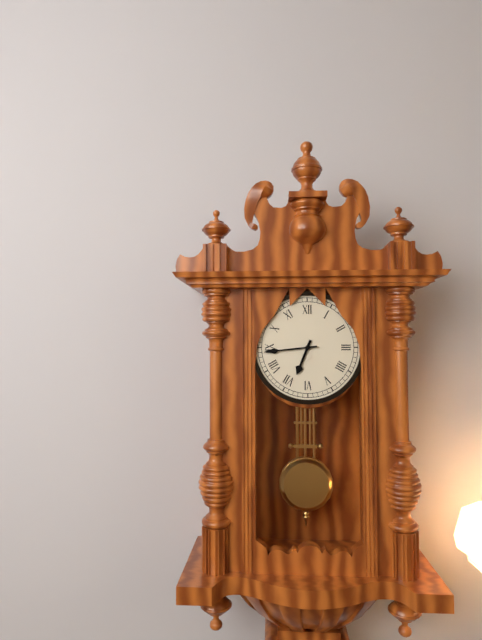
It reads 6h44
